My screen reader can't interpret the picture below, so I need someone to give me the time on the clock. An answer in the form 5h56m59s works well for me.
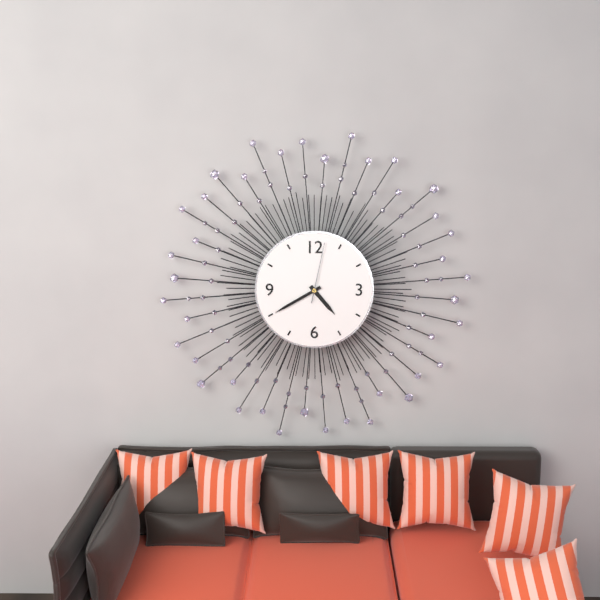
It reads 4h40m02s
